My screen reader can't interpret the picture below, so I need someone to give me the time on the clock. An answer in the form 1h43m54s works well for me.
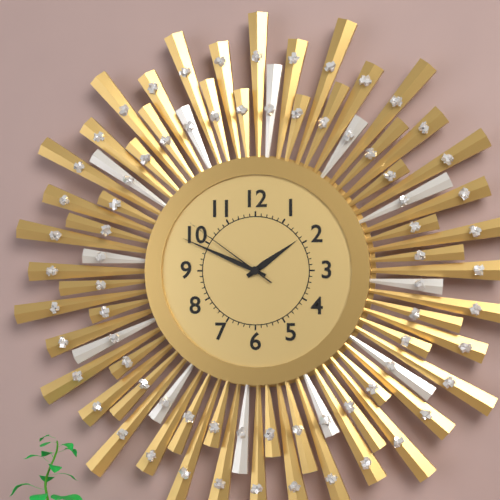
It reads 1h49m51s
